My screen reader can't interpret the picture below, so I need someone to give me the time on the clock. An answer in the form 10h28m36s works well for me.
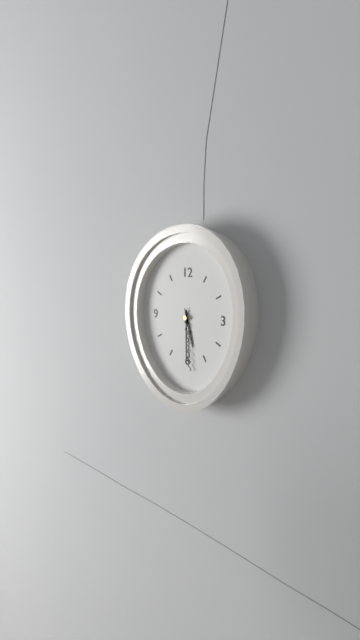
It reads 5h30m29s
